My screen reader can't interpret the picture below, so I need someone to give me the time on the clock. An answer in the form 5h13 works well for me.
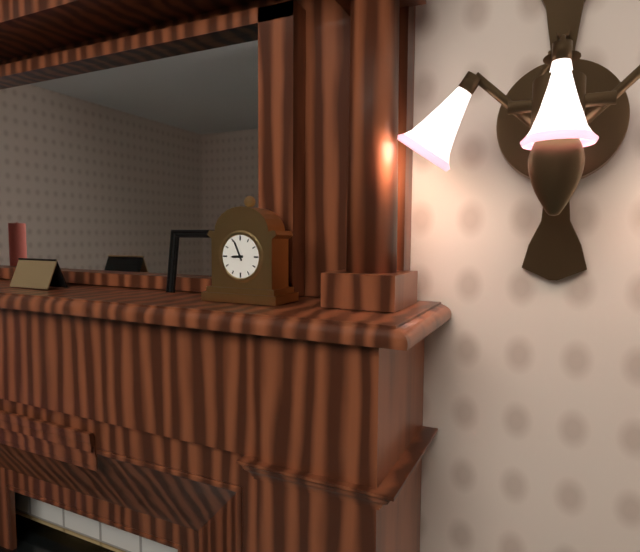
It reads 8h56
